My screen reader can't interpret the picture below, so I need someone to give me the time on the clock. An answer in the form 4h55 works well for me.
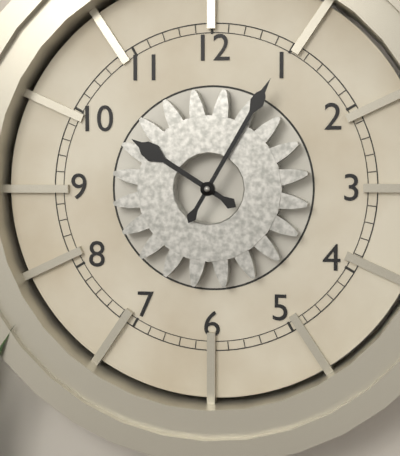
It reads 10h05
